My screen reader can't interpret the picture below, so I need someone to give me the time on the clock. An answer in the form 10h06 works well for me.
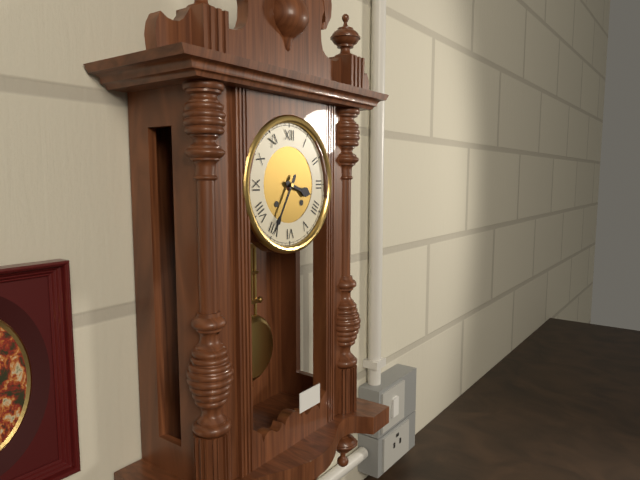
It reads 3h35
